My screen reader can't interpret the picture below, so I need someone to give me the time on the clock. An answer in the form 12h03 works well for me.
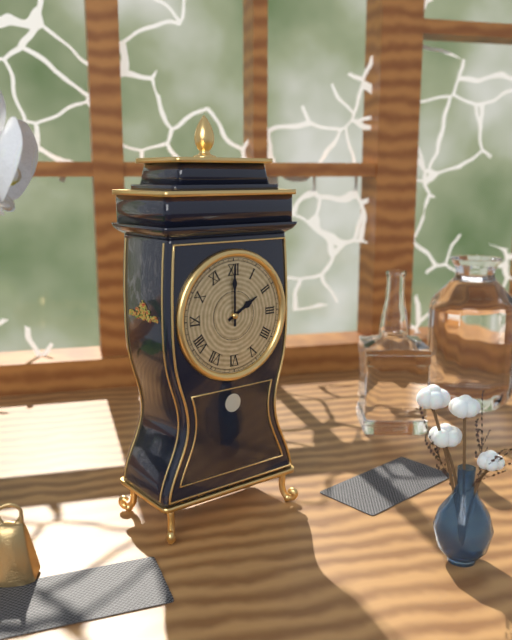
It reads 2h00
